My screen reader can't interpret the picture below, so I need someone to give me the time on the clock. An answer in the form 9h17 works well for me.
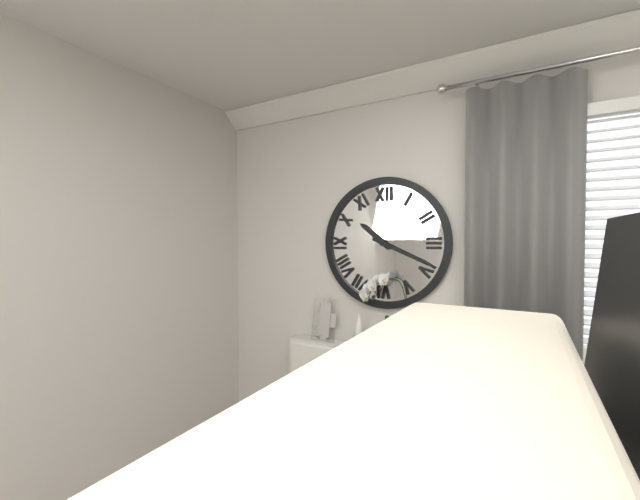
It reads 10h19
